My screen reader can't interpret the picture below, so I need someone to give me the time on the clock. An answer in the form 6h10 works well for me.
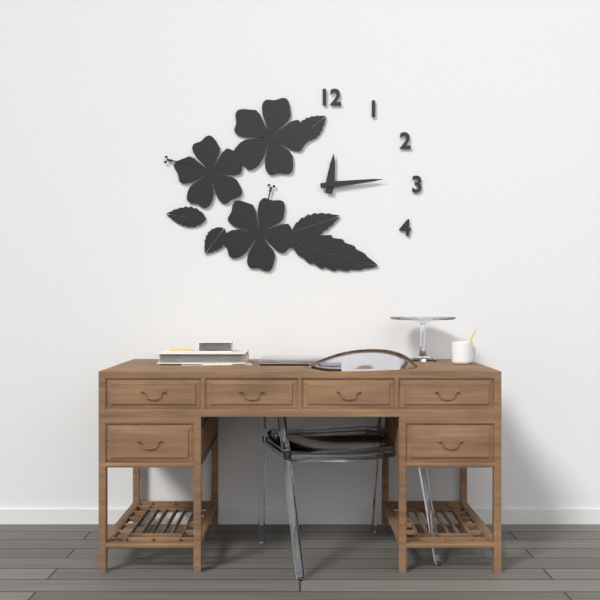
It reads 12h14
